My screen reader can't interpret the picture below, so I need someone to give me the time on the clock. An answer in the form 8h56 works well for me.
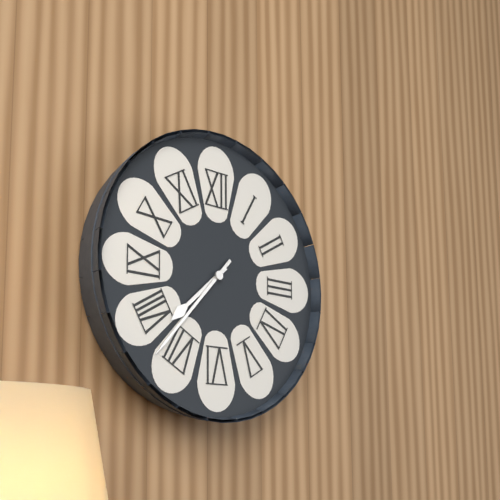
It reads 7h37
